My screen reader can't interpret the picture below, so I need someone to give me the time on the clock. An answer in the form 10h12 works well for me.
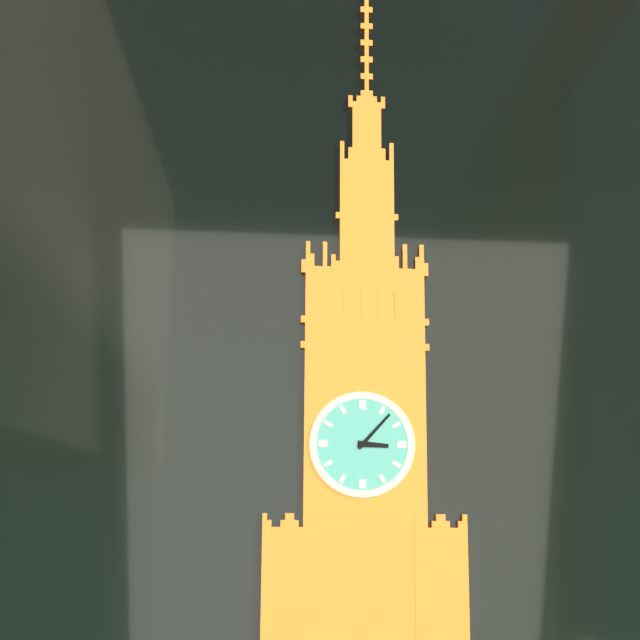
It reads 3h07
